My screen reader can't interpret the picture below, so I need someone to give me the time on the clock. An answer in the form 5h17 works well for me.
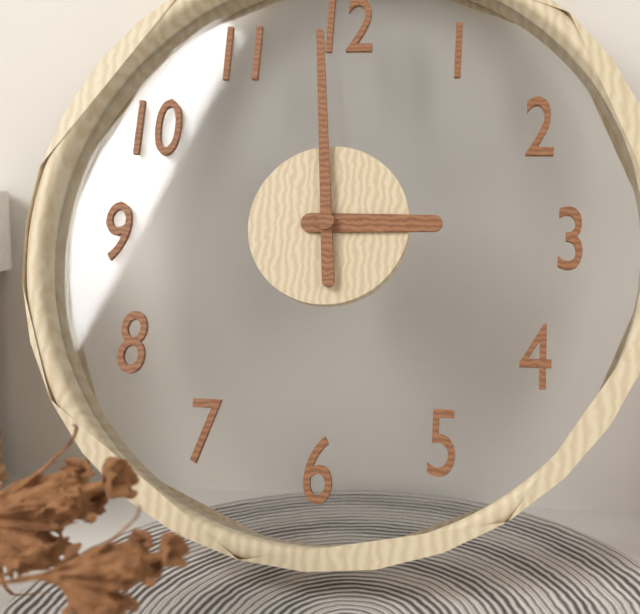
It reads 2h59
